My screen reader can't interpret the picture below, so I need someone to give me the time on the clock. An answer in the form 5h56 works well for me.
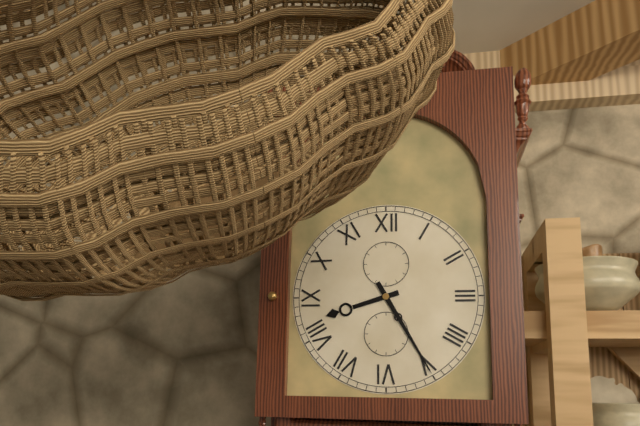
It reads 8h25
